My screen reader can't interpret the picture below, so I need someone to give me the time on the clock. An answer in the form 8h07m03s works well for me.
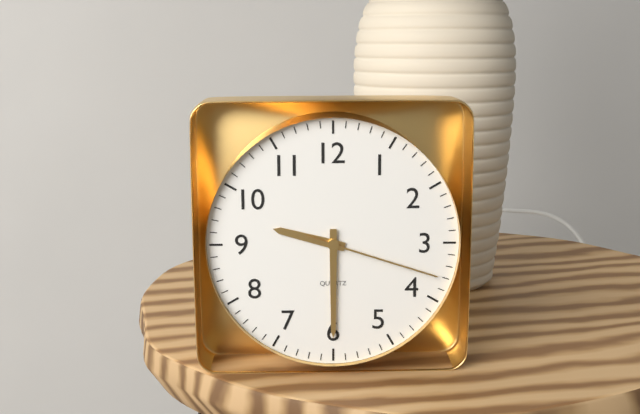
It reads 9h30m18s
